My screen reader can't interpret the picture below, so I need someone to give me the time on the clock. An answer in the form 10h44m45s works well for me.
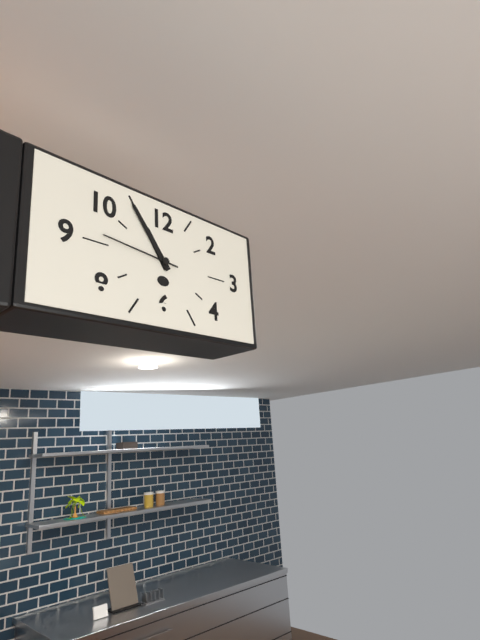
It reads 10h54m46s
